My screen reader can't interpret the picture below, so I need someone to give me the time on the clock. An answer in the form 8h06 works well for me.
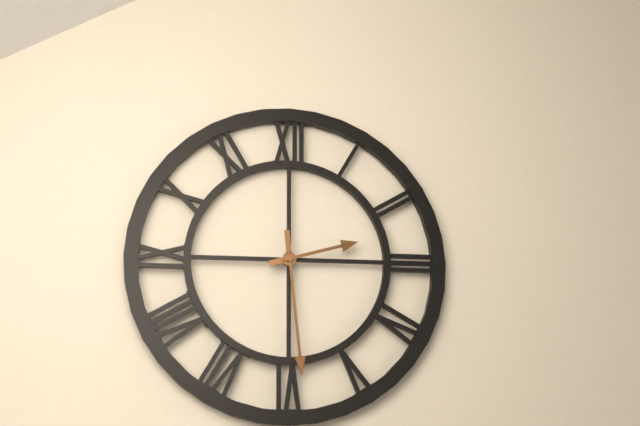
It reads 2h29
